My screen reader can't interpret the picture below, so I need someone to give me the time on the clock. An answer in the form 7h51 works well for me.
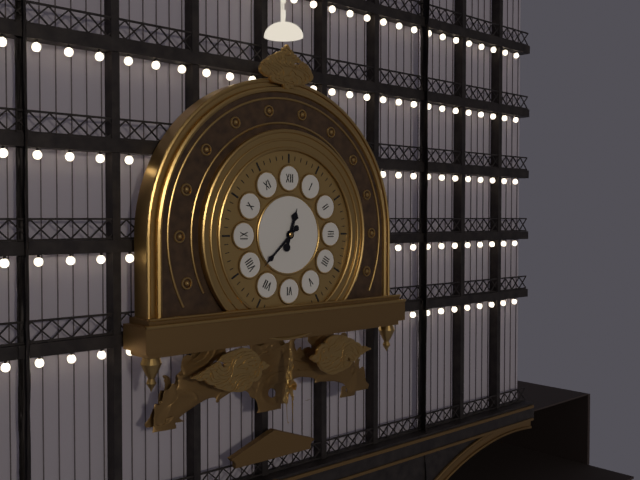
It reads 12h38
